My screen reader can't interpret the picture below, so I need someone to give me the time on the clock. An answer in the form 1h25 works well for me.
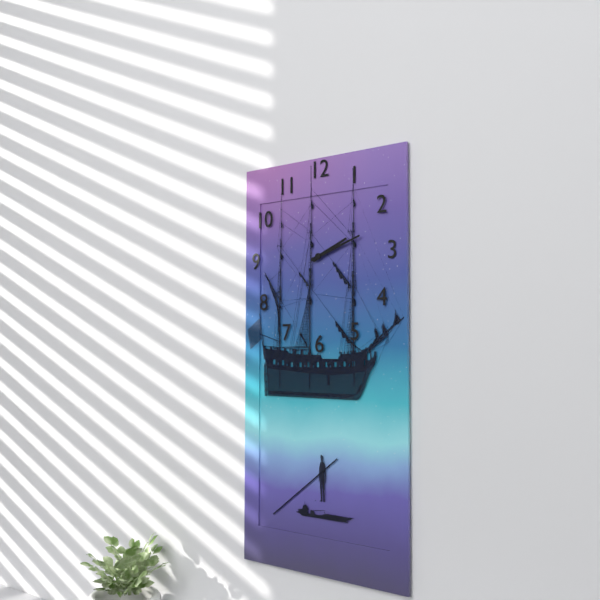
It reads 2h12
